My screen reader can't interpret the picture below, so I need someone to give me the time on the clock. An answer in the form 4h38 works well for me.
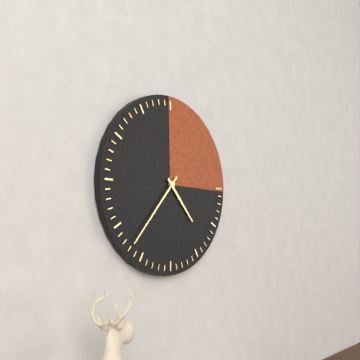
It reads 4h37
